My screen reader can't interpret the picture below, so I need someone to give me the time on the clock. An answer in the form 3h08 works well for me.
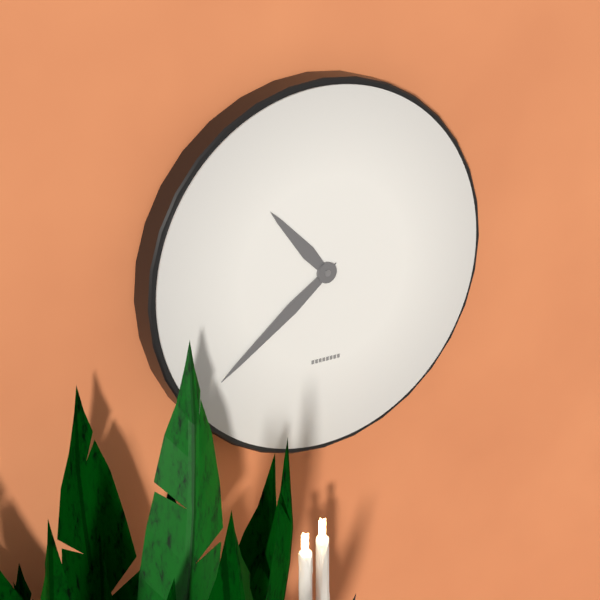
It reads 10h39
